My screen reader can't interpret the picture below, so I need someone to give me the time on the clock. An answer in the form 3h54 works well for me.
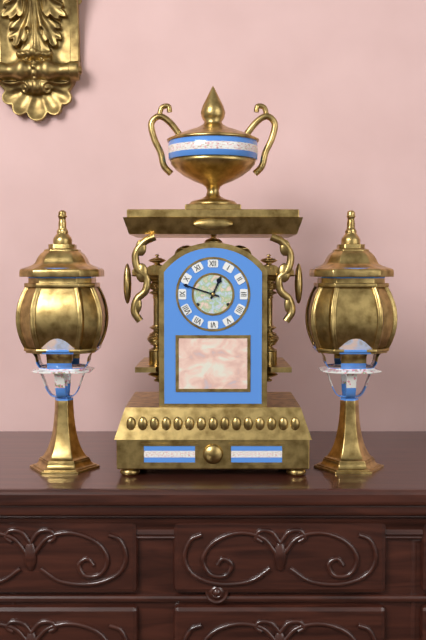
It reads 12h48
